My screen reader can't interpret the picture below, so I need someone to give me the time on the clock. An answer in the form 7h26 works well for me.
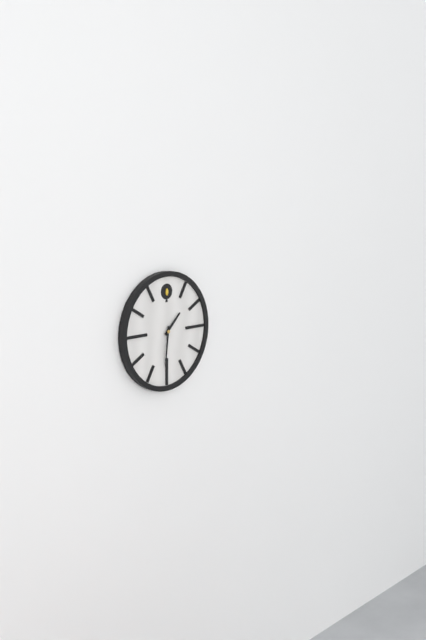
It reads 1h31
